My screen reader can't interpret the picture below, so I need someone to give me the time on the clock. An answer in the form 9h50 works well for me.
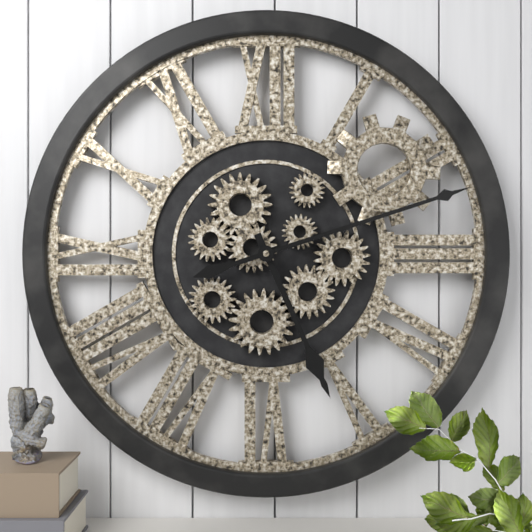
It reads 5h12
